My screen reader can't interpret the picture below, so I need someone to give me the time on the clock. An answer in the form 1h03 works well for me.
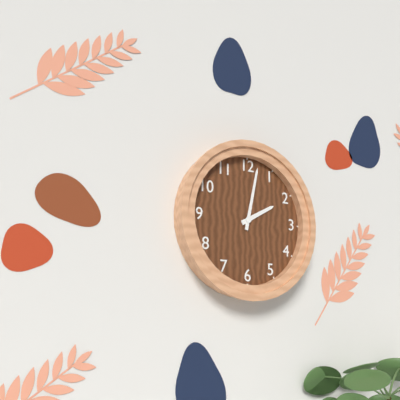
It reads 2h02
